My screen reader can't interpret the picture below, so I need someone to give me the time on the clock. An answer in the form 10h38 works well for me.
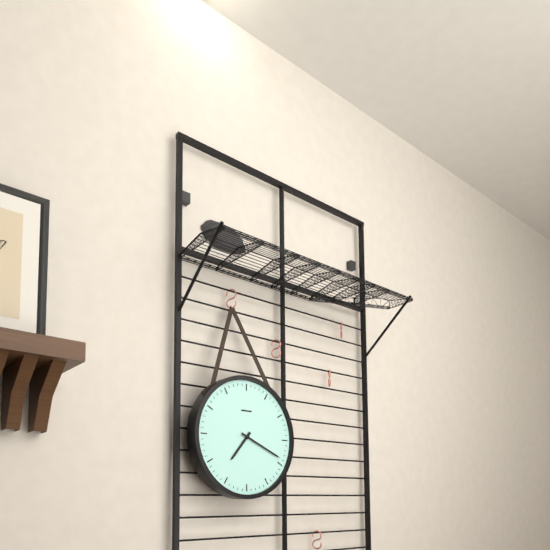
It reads 7h19
